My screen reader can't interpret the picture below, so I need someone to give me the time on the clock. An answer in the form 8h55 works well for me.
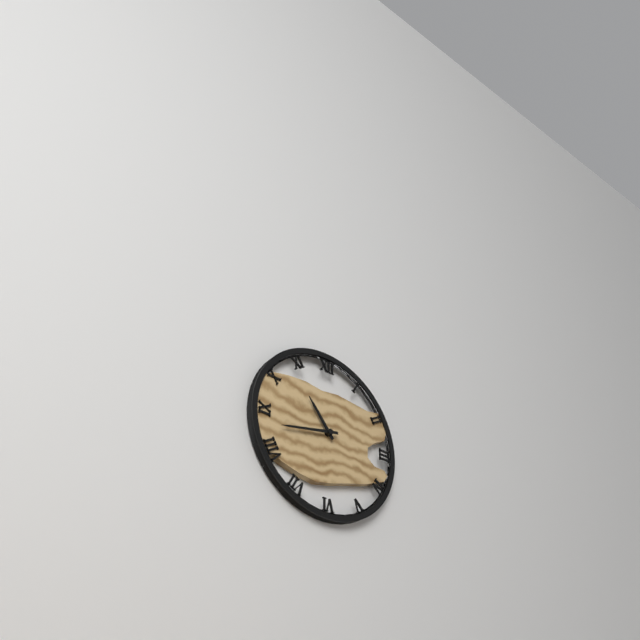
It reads 10h43
